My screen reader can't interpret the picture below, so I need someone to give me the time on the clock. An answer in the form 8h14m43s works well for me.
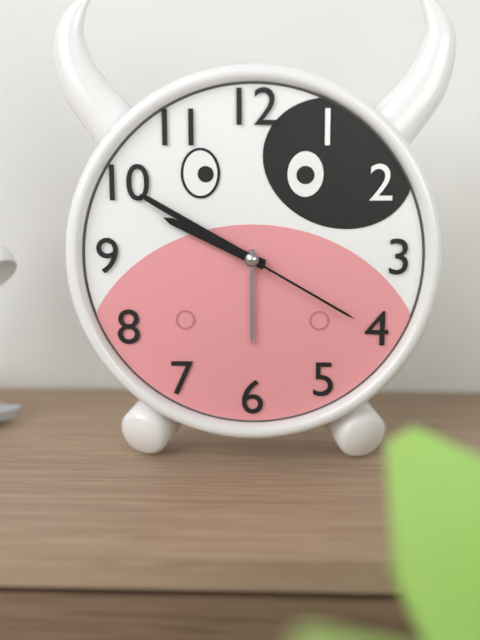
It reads 9h50m20s
